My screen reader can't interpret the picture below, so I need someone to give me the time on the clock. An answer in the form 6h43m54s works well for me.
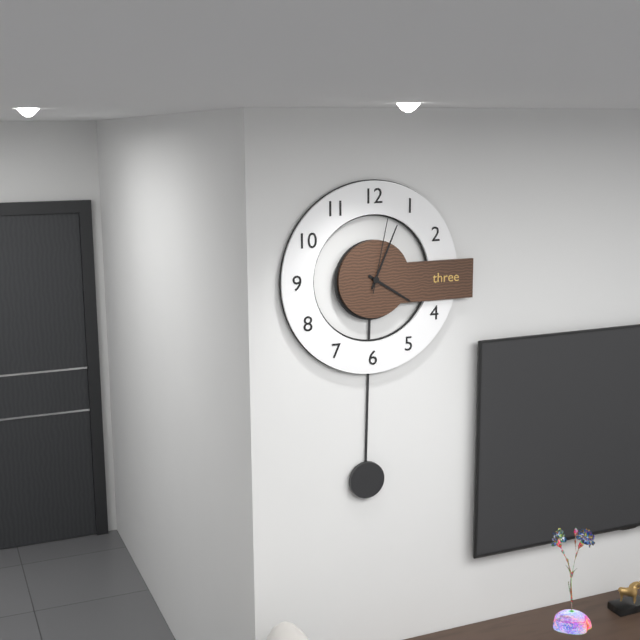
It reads 4h04m02s
